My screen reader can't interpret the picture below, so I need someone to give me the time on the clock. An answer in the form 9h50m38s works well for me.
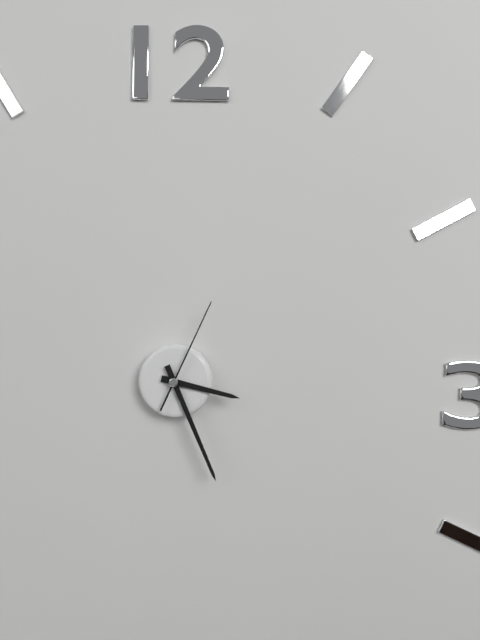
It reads 3h26m04s
